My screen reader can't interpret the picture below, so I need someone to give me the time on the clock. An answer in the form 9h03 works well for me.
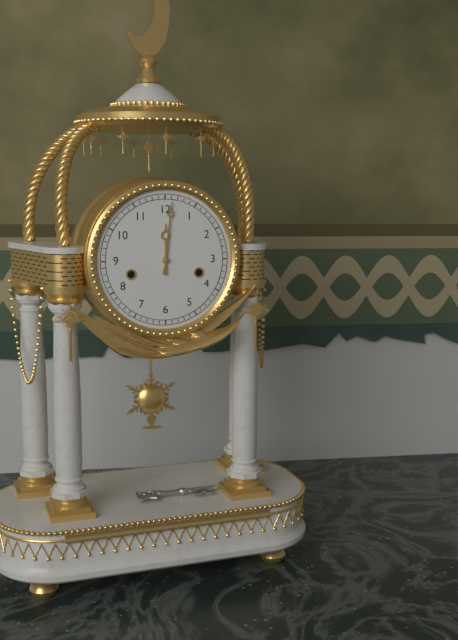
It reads 12h01
